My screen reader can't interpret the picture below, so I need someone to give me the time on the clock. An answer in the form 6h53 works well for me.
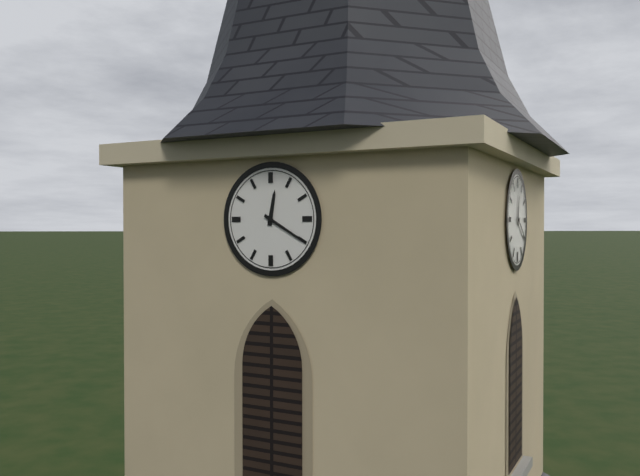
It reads 12h20
